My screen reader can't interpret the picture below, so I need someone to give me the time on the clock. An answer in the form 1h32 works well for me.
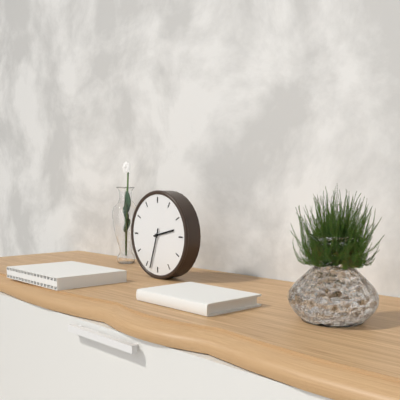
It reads 2h33
